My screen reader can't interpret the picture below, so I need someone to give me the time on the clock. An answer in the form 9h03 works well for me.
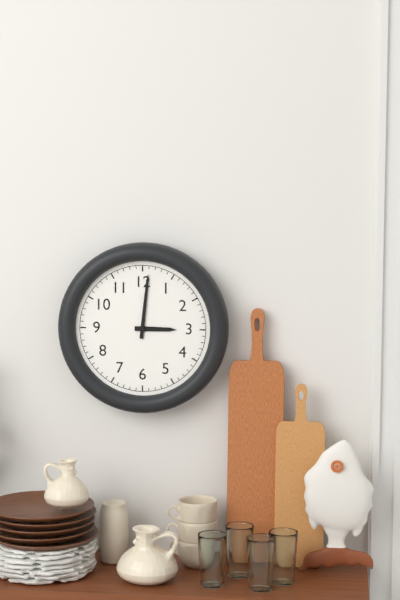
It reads 3h01
